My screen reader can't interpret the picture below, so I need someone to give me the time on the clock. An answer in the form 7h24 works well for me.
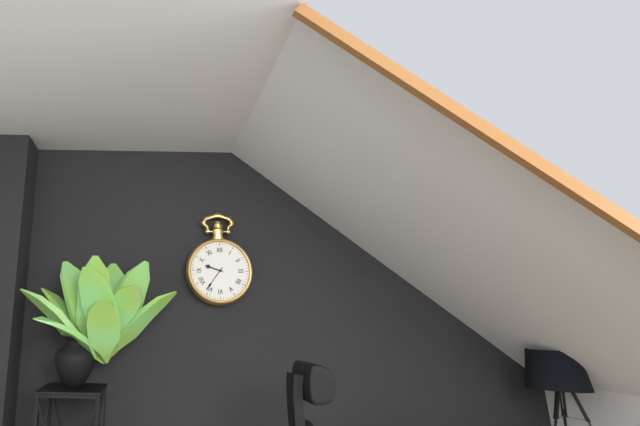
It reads 9h36
